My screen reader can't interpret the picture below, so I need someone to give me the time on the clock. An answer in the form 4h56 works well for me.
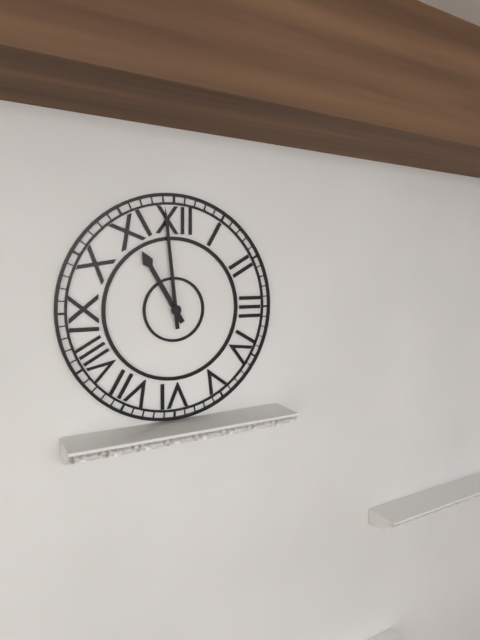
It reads 10h59
